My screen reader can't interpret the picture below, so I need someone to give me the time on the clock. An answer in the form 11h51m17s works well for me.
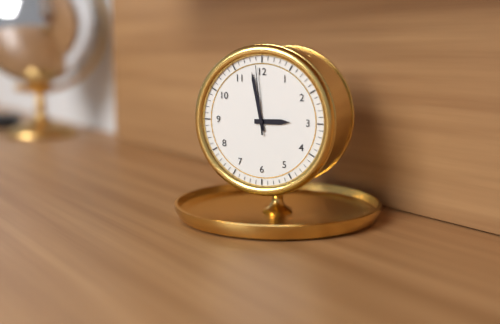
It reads 2h58m59s
